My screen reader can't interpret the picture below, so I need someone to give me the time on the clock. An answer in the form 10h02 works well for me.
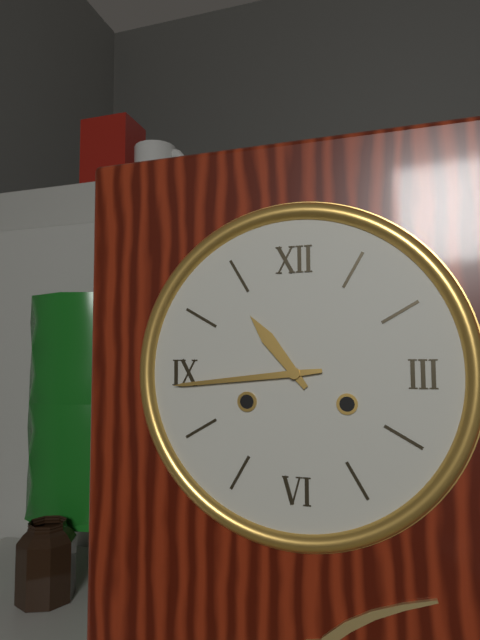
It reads 10h44
